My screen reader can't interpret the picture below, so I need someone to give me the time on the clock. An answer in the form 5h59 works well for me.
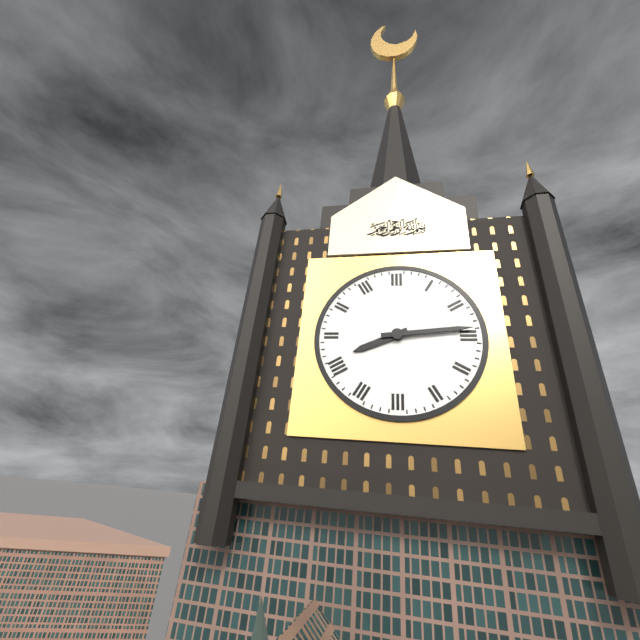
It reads 8h14
